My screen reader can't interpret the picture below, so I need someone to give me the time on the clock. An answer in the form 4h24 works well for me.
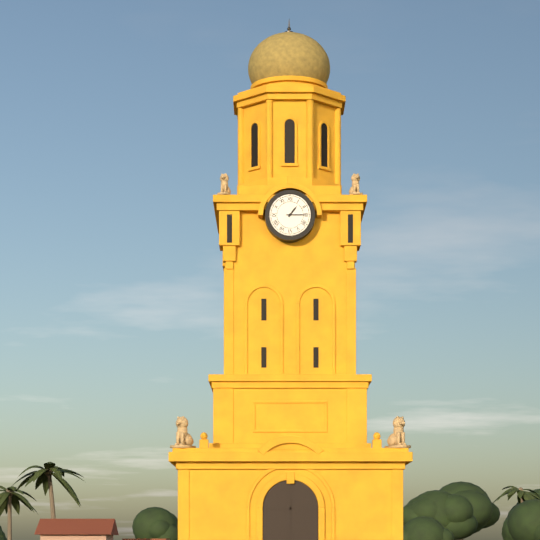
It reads 1h15
